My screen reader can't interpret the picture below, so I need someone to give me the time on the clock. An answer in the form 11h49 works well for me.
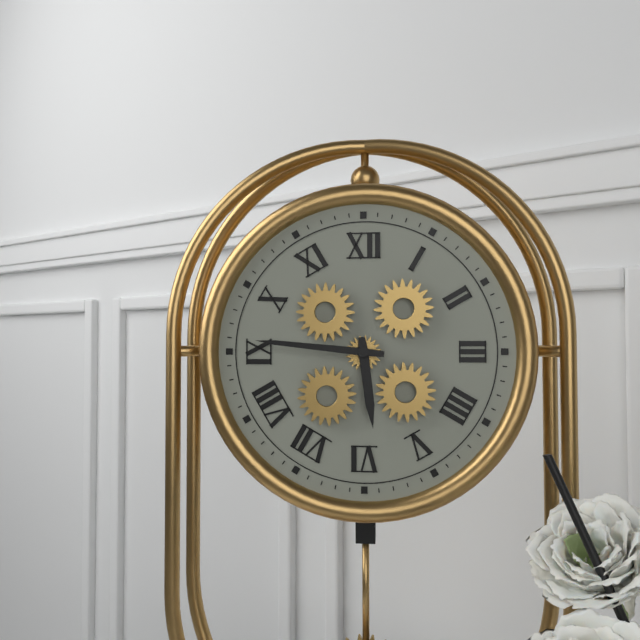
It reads 5h46
